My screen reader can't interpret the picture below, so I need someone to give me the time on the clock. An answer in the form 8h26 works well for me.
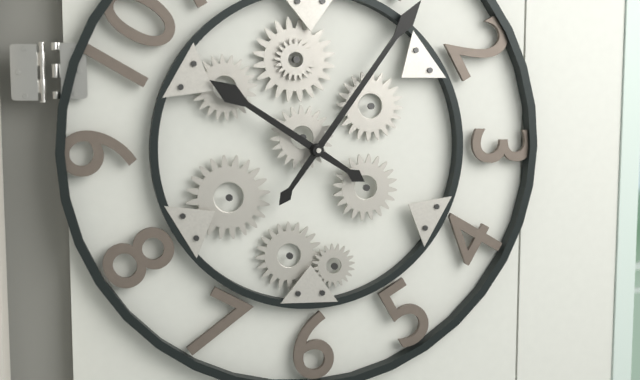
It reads 10h06
